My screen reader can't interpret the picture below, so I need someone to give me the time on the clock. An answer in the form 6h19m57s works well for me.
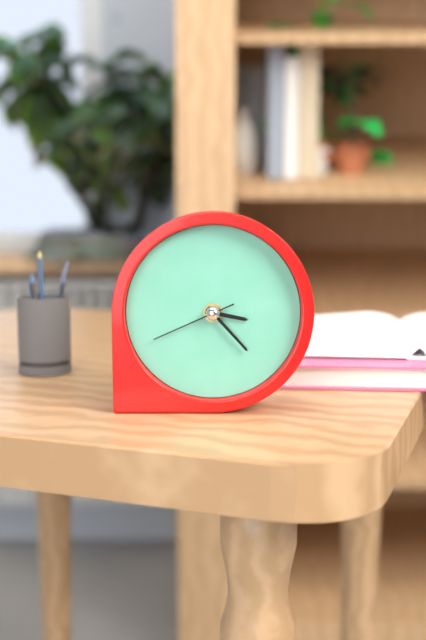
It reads 3h23m41s
